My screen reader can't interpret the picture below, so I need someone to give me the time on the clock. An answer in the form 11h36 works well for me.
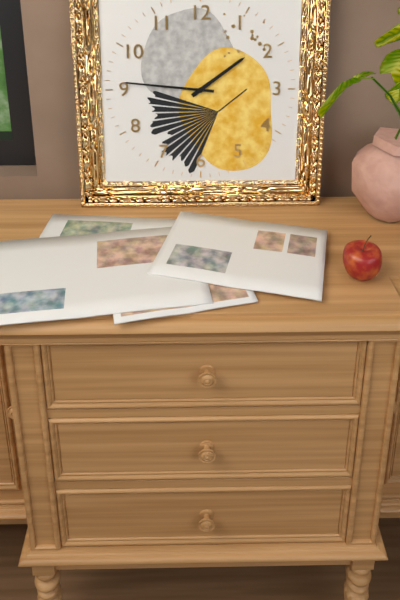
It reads 1h46
